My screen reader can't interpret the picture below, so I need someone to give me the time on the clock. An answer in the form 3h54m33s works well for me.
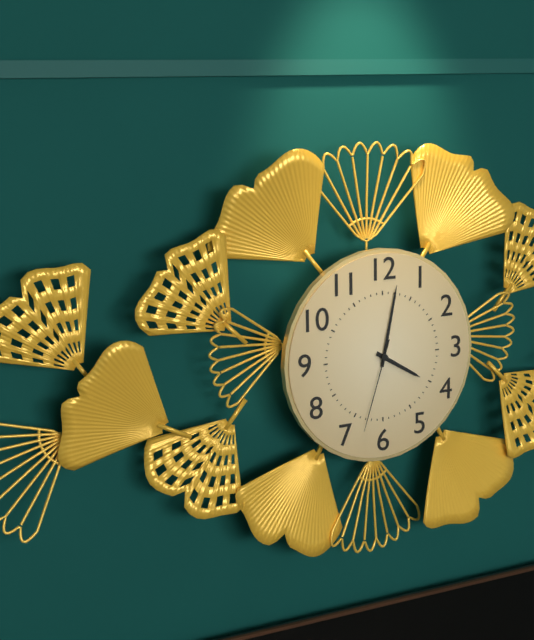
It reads 4h02m33s
